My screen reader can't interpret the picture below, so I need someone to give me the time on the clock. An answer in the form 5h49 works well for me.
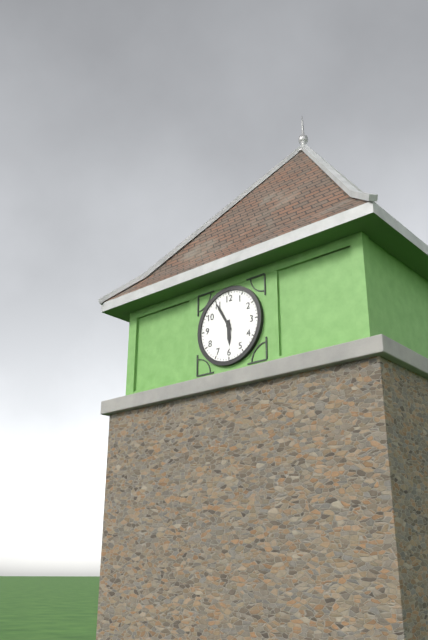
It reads 5h55
